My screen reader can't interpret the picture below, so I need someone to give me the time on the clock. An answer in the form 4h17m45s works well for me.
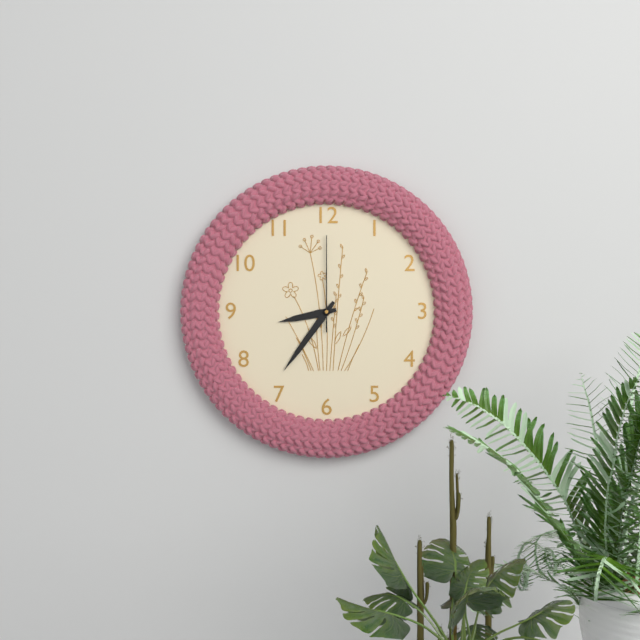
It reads 8h36m00s
